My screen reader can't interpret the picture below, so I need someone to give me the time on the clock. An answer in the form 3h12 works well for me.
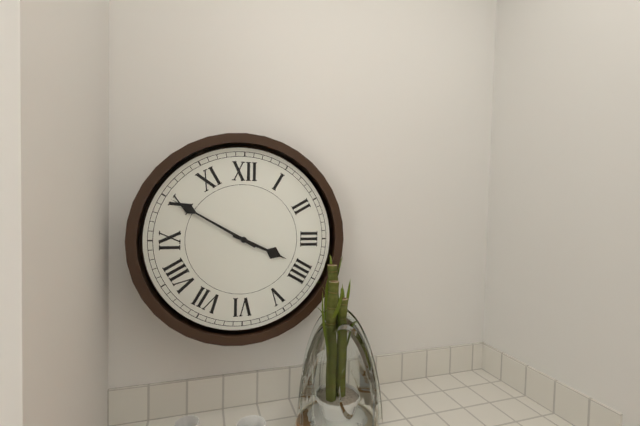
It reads 3h50
